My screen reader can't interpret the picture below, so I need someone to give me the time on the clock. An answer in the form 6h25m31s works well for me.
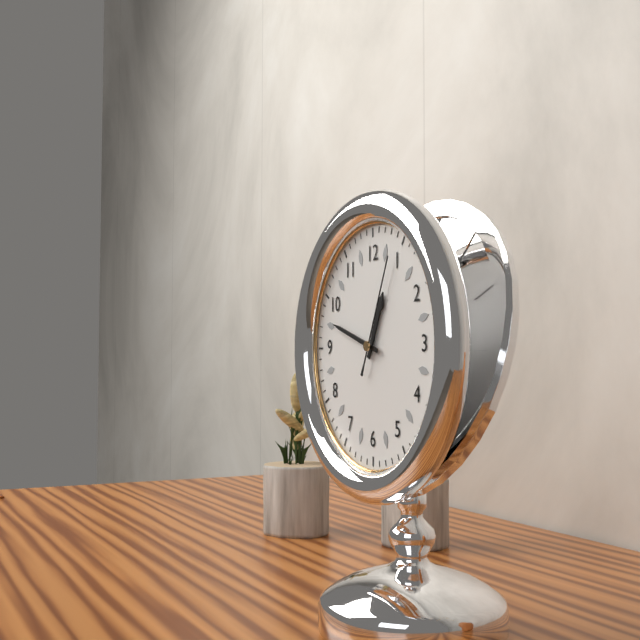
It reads 12h48m04s
